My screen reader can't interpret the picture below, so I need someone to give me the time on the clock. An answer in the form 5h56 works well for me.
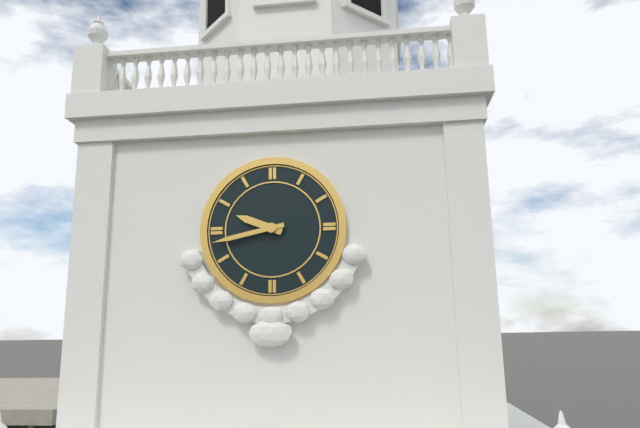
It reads 9h43
